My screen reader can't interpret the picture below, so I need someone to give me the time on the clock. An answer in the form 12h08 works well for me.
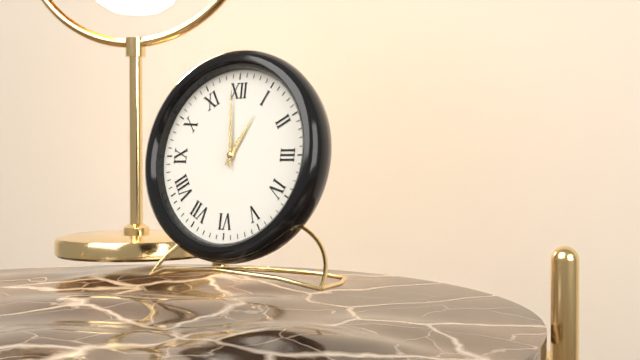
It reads 12h59
